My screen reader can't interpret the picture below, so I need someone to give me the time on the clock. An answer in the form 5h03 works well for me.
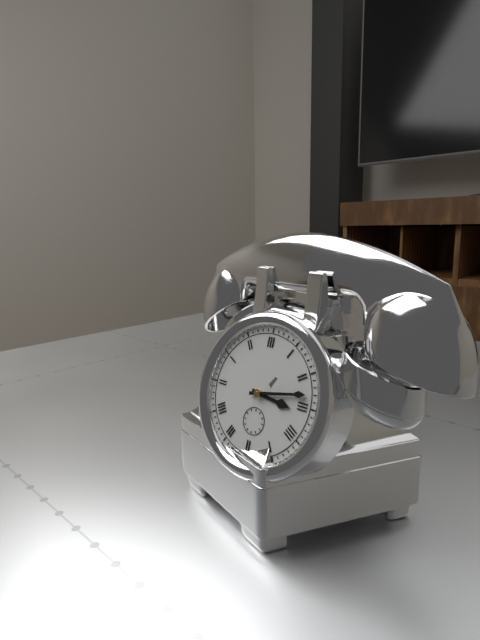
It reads 3h13
